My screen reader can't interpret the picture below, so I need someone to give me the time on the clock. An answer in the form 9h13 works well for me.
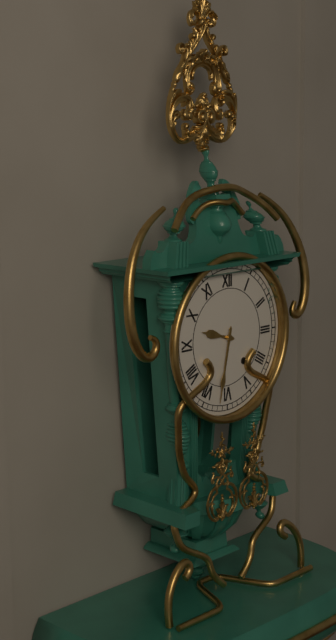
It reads 9h32
